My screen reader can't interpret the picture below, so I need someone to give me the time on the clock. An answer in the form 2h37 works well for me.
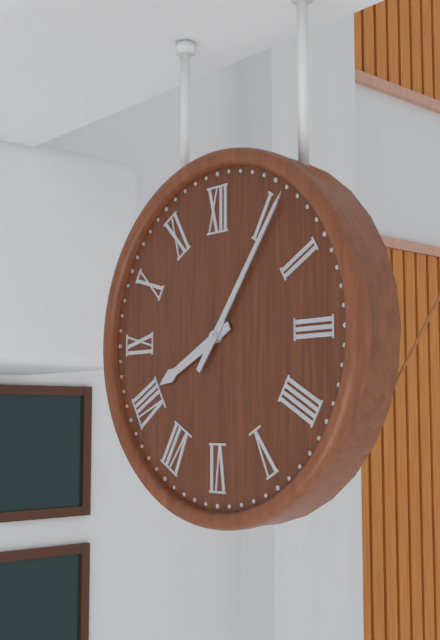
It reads 8h06
